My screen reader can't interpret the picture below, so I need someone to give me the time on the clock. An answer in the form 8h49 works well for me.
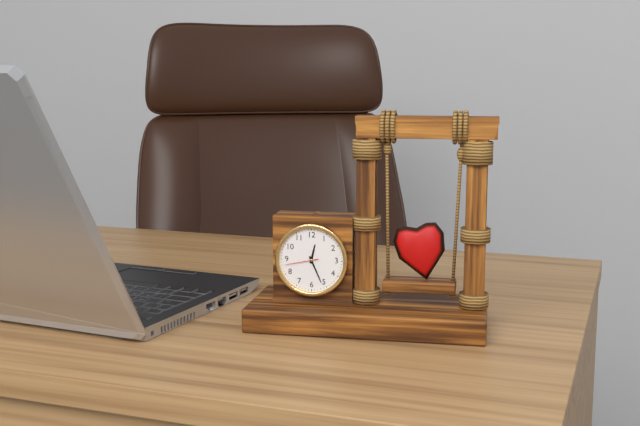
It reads 12h26
